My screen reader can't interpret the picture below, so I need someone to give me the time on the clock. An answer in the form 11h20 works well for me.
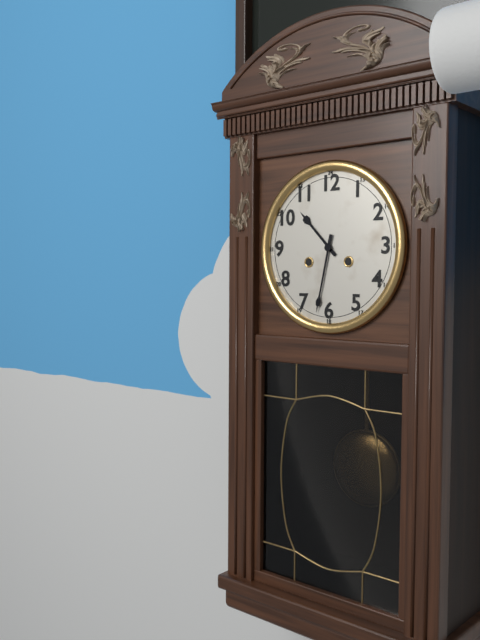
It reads 10h32
